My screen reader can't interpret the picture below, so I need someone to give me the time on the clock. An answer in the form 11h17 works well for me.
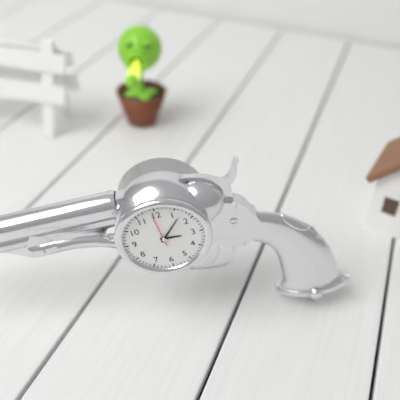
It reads 3h07
